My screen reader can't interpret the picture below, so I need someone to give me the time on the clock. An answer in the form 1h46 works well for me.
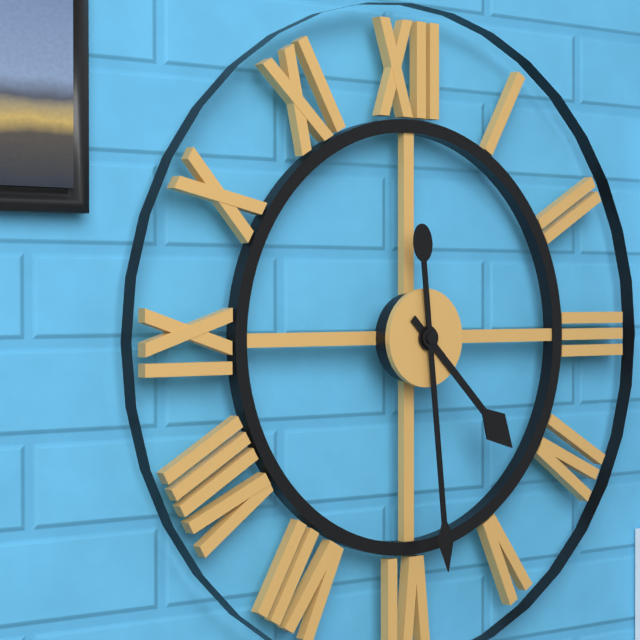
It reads 4h29
